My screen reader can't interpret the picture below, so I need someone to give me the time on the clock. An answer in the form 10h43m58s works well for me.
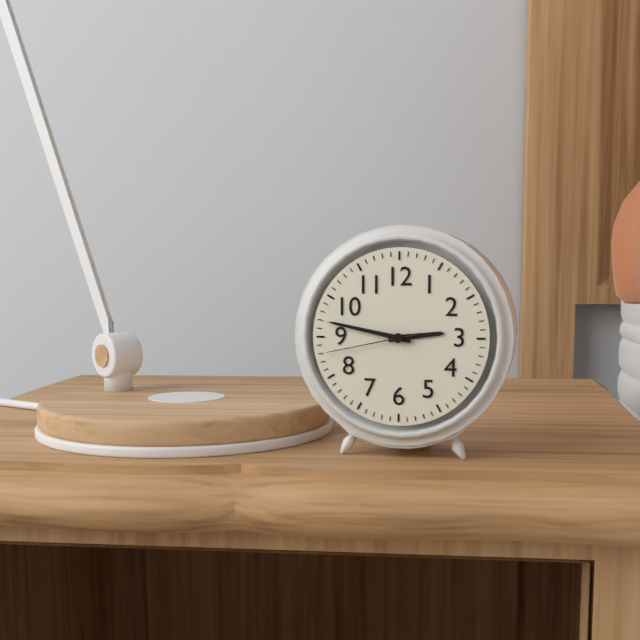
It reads 2h47m43s
